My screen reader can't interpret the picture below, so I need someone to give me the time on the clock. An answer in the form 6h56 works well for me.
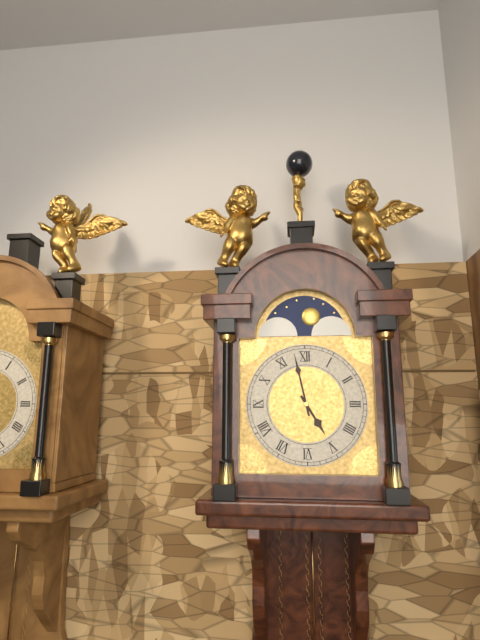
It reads 4h58
